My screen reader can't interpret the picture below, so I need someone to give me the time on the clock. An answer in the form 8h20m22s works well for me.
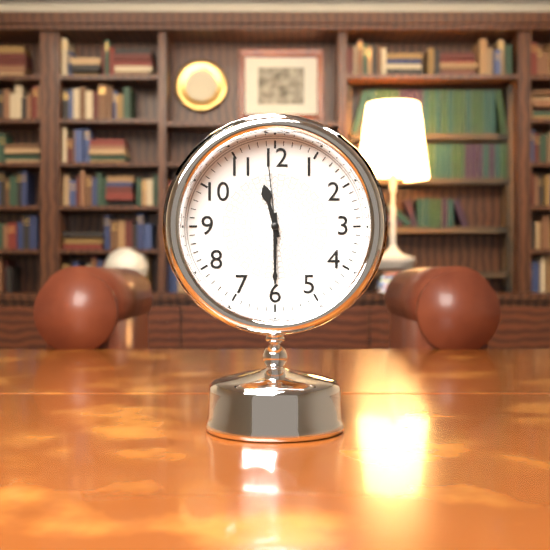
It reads 11h30m59s
